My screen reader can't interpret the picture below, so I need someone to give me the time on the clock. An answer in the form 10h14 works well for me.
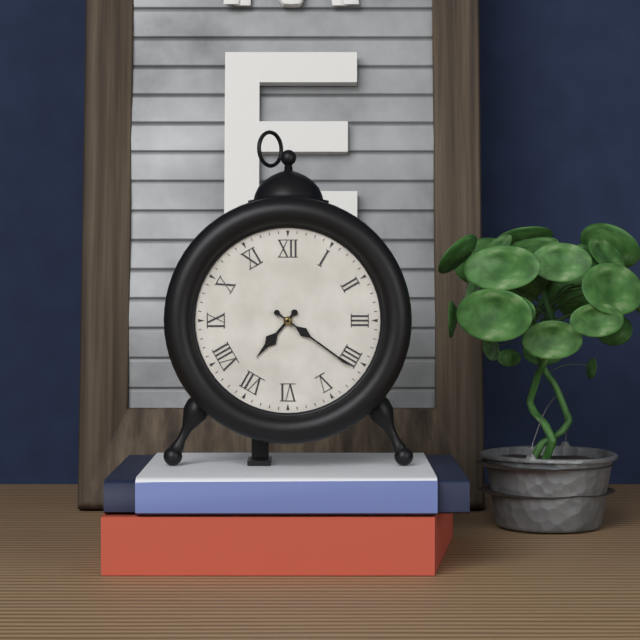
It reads 7h21
